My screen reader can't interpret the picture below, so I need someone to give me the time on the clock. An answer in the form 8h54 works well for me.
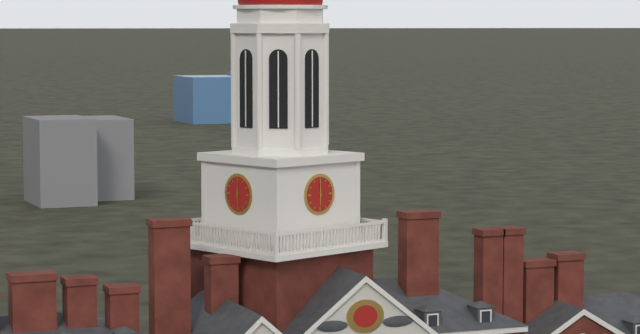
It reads 6h00
